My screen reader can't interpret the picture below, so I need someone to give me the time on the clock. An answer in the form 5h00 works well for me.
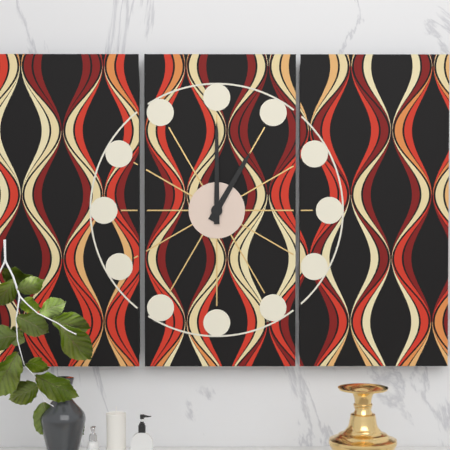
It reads 1h00
